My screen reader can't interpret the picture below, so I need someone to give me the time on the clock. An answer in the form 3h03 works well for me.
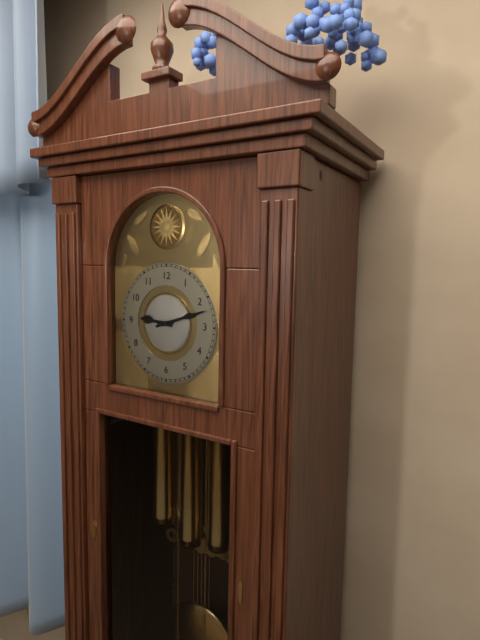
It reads 9h12
